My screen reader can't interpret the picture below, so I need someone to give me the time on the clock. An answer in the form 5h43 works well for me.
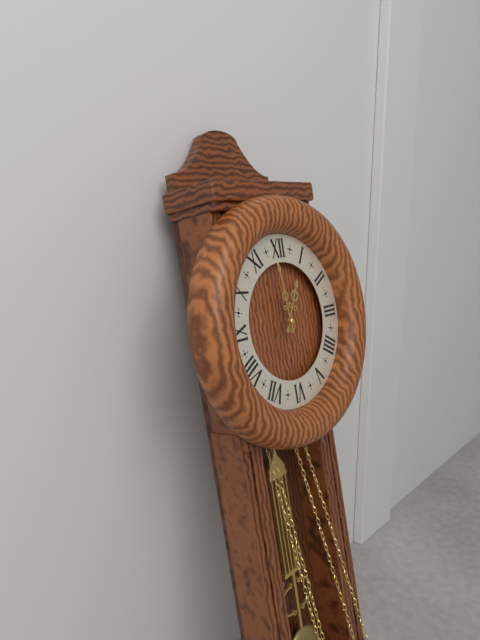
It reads 12h59
